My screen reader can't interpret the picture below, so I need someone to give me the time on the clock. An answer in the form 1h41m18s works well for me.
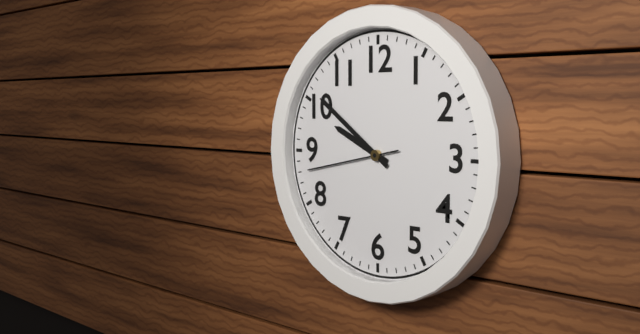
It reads 9h51m43s
